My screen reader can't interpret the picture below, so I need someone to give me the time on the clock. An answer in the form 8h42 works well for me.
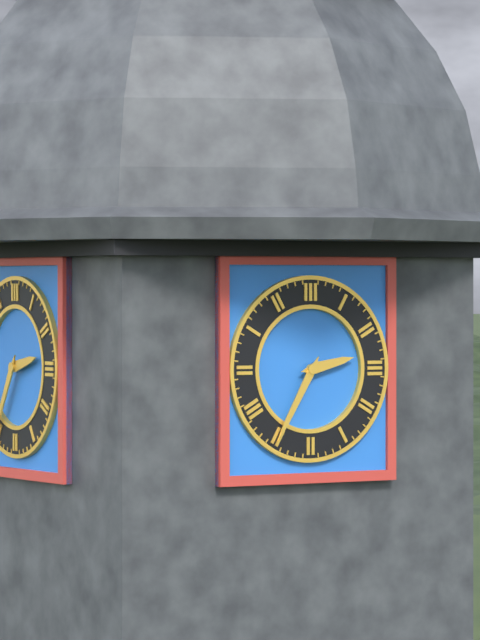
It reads 2h35
